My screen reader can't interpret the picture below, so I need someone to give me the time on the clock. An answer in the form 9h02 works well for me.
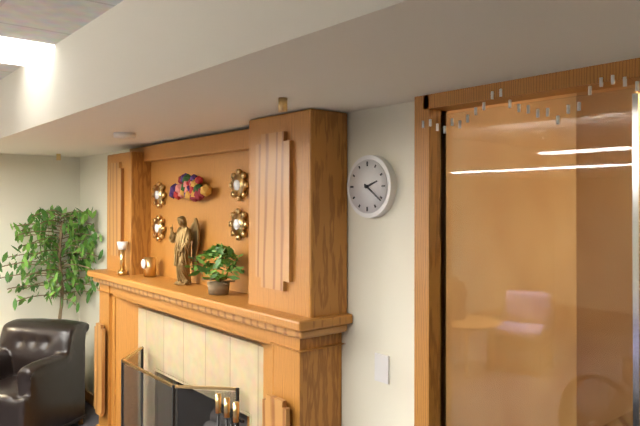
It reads 2h21
